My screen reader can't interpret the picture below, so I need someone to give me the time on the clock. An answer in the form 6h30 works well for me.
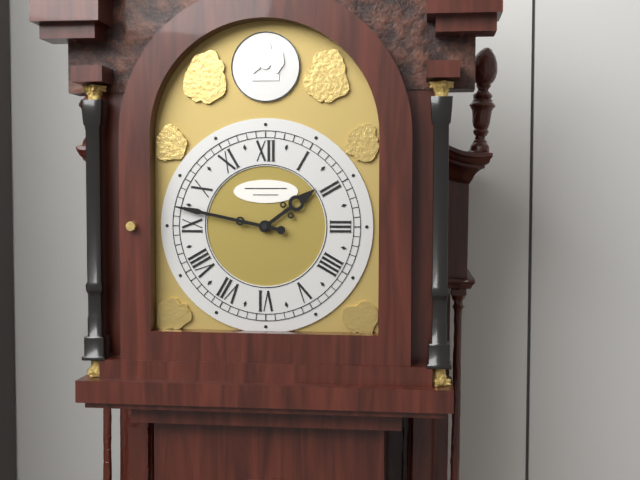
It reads 1h47
